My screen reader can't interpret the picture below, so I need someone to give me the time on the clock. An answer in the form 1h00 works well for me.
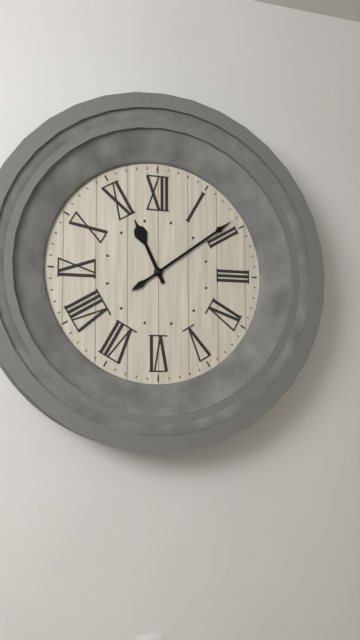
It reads 11h09
